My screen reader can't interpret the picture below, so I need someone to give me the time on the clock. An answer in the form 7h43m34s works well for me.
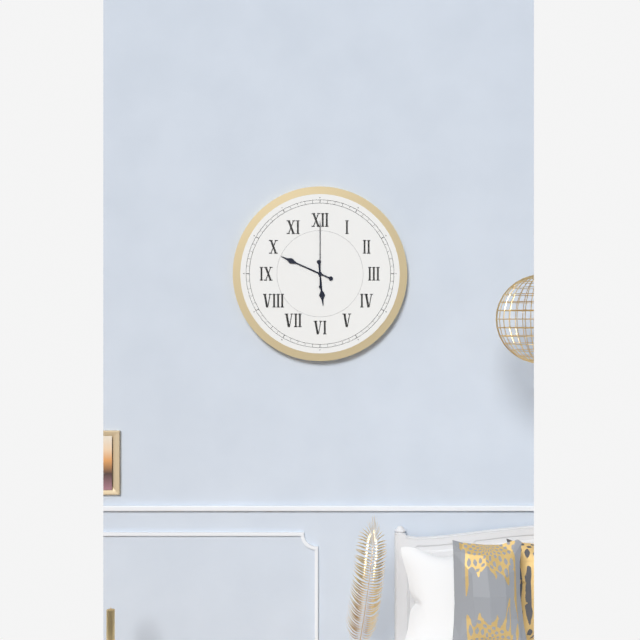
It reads 5h49m00s
